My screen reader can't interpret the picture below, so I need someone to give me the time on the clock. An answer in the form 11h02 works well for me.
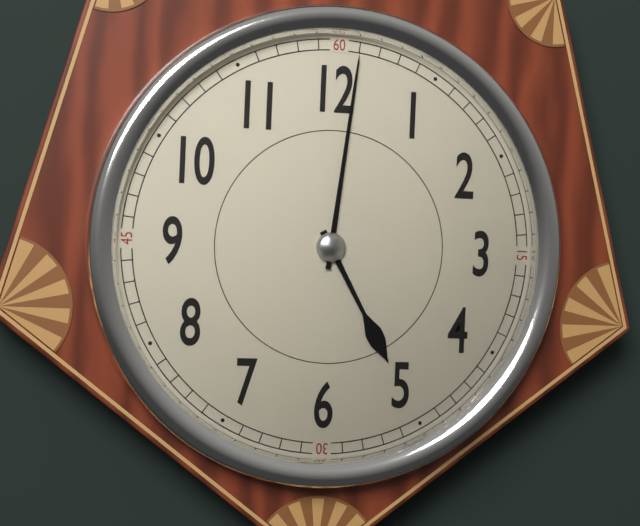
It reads 5h01
